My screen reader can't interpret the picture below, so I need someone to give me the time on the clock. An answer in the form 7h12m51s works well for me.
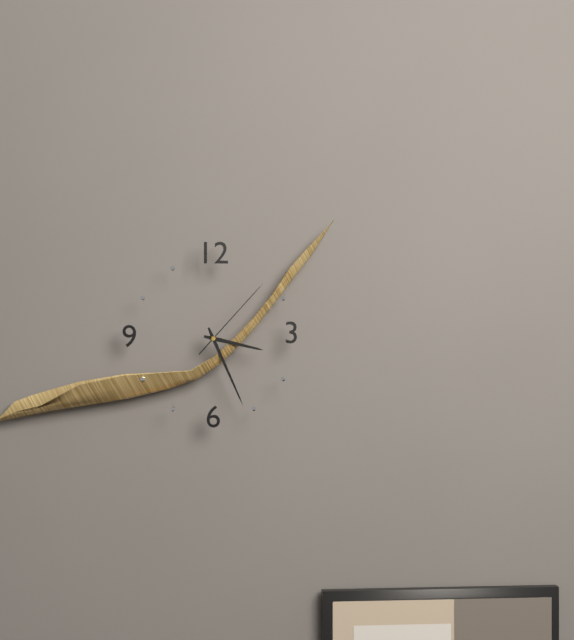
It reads 3h26m07s
